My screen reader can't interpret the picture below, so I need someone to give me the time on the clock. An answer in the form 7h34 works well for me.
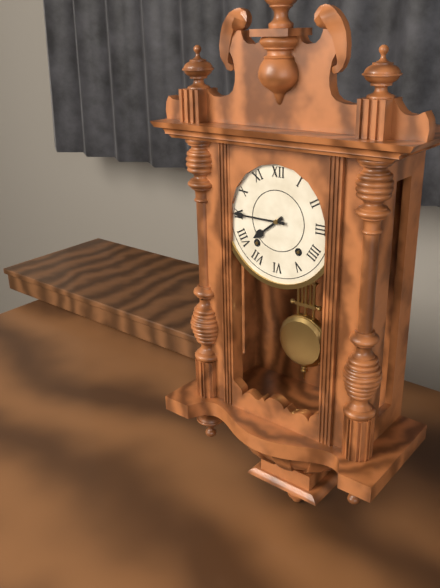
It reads 7h45
